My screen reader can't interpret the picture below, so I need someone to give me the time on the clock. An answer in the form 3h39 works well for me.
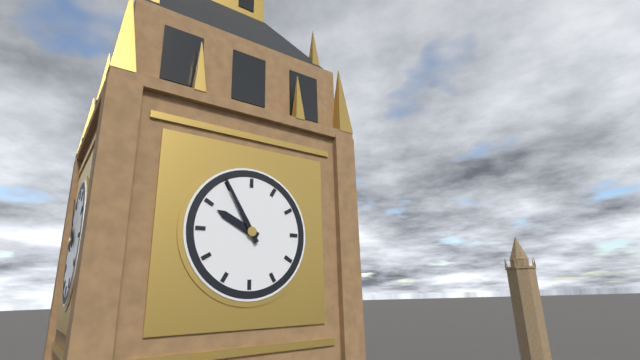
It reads 9h55
